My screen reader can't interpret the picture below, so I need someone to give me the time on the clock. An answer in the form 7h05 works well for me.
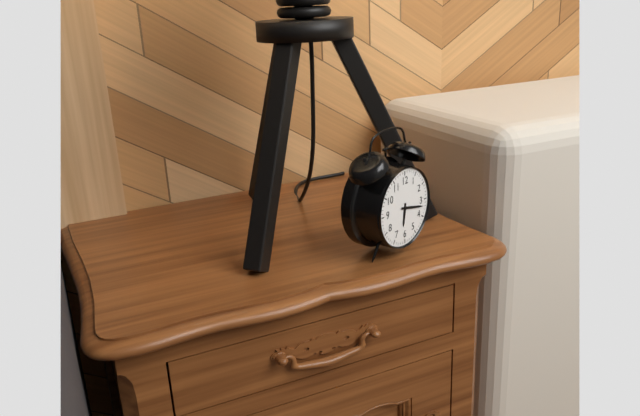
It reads 6h17
